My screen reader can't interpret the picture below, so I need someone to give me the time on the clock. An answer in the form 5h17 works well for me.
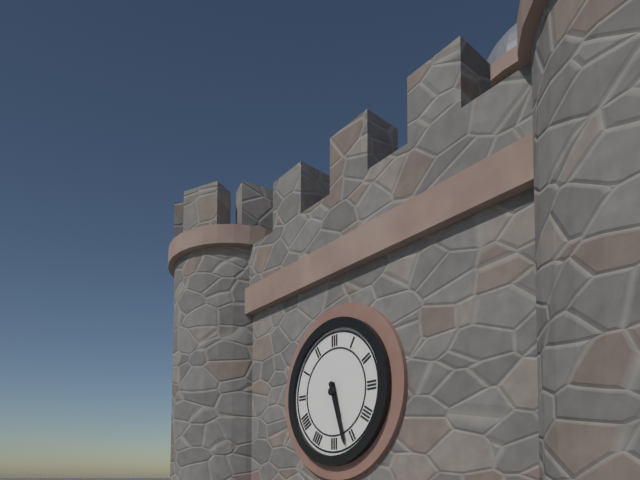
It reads 5h27
